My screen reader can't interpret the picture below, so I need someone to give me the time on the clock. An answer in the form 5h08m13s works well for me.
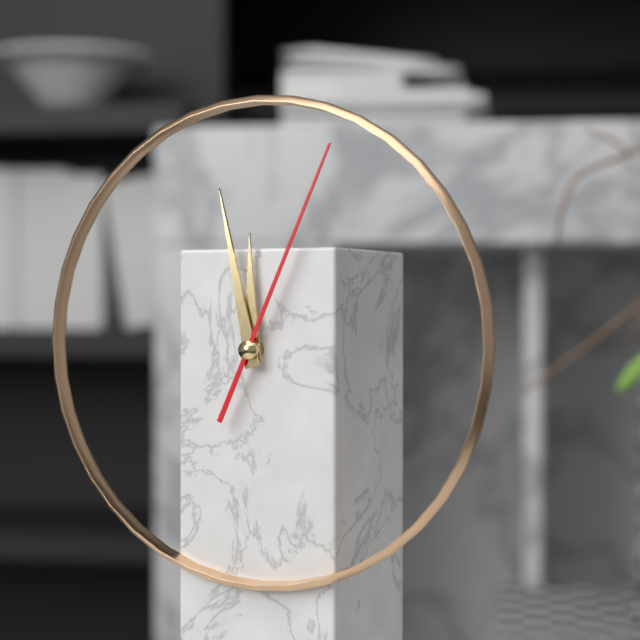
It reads 11h58m04s
